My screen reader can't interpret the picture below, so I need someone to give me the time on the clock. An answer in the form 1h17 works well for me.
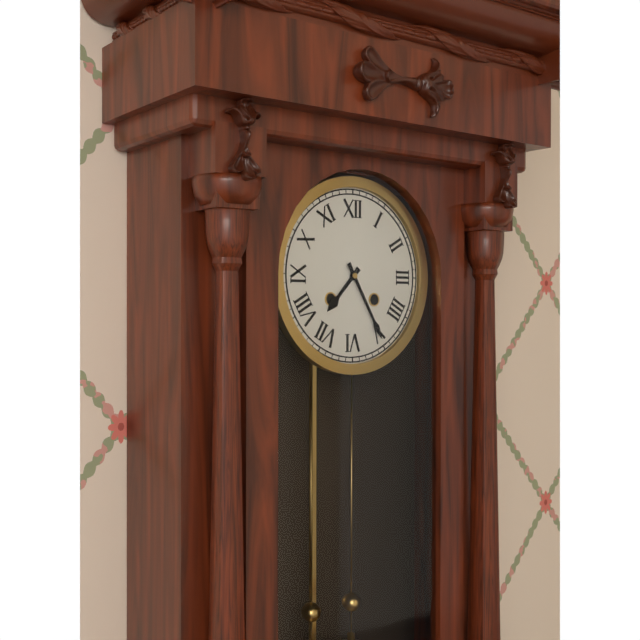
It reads 7h25
